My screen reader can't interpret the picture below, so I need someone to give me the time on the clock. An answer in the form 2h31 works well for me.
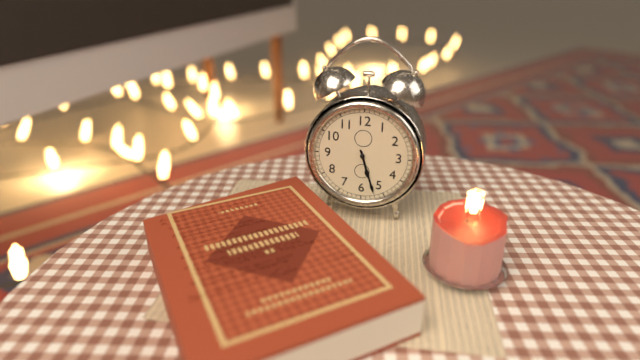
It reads 5h27
